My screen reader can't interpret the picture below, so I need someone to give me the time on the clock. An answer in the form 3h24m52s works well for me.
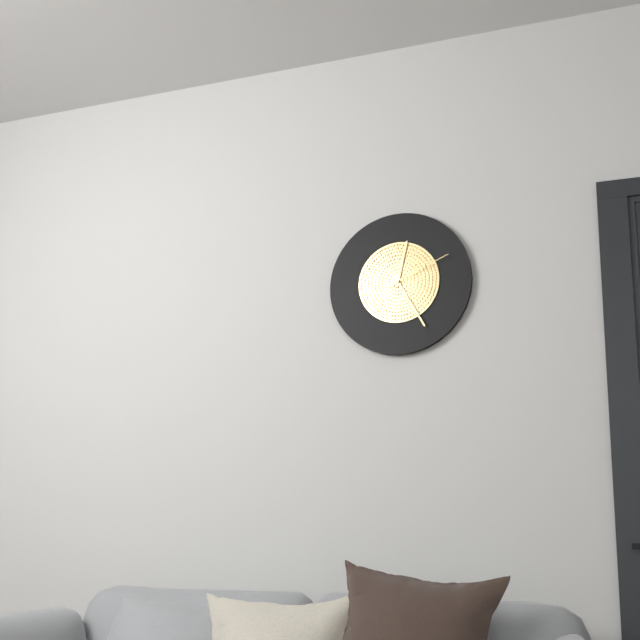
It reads 12h25m11s
